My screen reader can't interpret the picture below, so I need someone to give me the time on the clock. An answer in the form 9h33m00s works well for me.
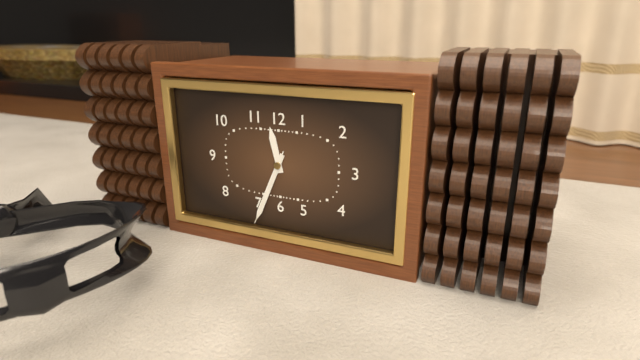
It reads 11h34m34s
